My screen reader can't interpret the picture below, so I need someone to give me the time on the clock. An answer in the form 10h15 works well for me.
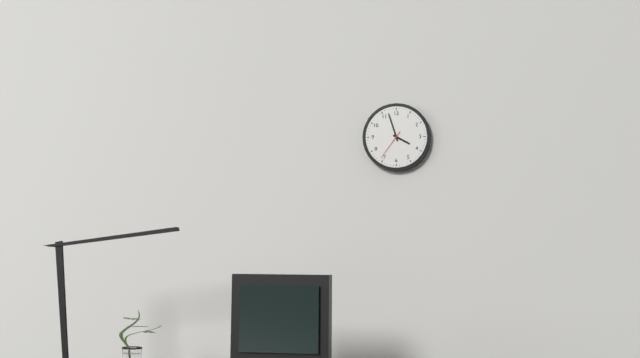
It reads 3h57
